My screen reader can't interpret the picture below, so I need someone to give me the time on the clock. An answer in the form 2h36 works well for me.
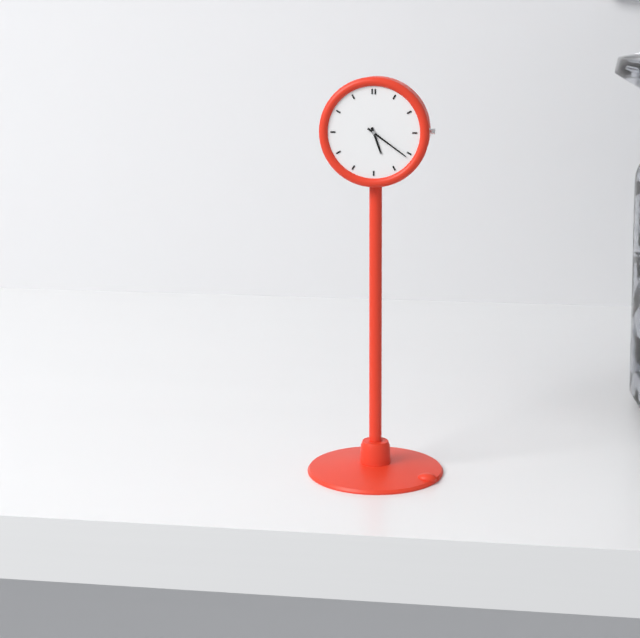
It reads 5h21
